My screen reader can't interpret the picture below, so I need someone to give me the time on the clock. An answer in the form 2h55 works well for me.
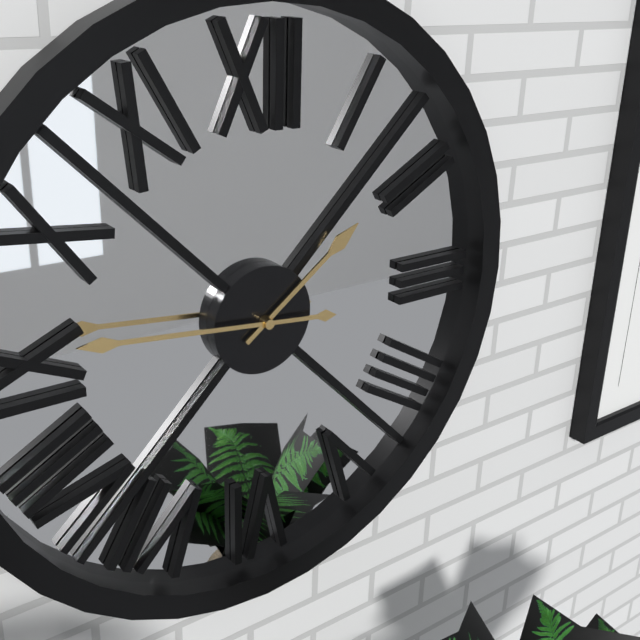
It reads 1h46
